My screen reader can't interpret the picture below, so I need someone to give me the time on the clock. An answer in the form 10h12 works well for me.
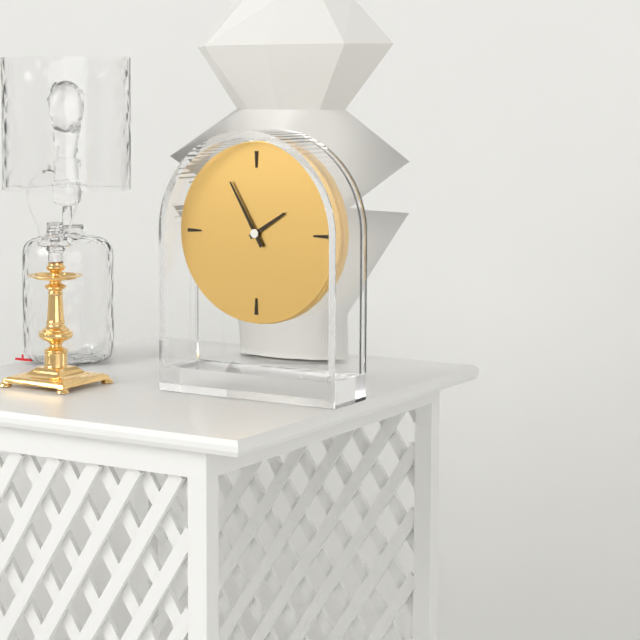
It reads 1h55
